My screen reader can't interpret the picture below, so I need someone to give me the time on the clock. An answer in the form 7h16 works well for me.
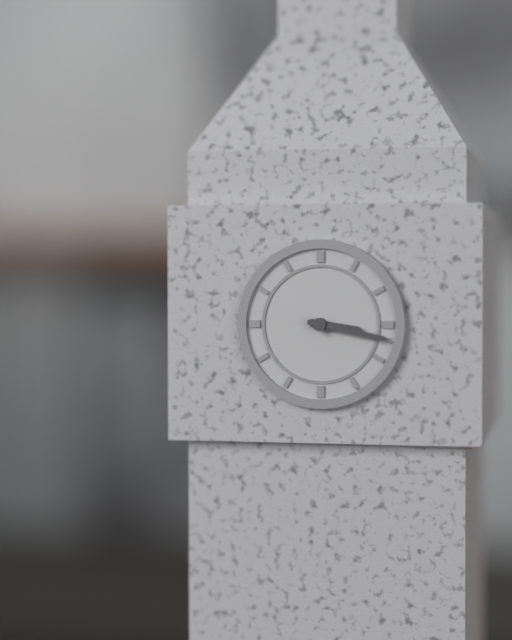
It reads 3h17
